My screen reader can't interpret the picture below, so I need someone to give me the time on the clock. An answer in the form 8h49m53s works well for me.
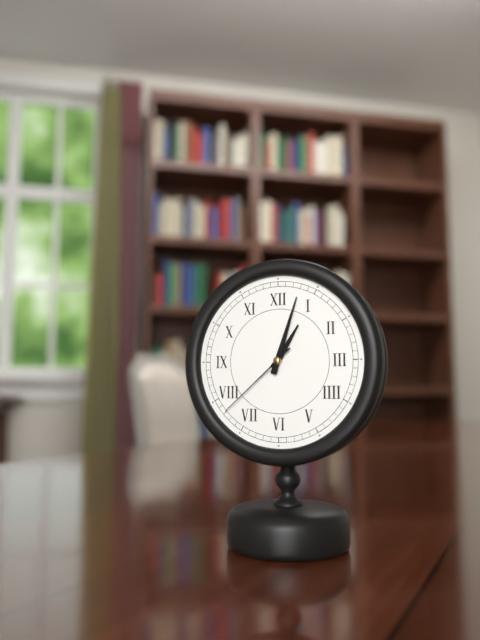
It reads 1h03m38s
